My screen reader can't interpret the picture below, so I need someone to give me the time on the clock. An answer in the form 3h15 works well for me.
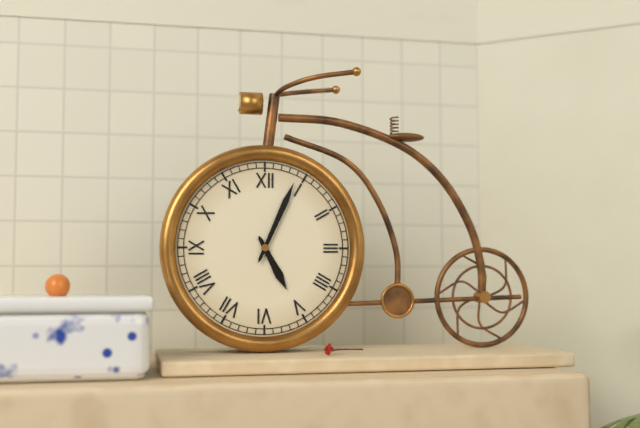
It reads 5h04
